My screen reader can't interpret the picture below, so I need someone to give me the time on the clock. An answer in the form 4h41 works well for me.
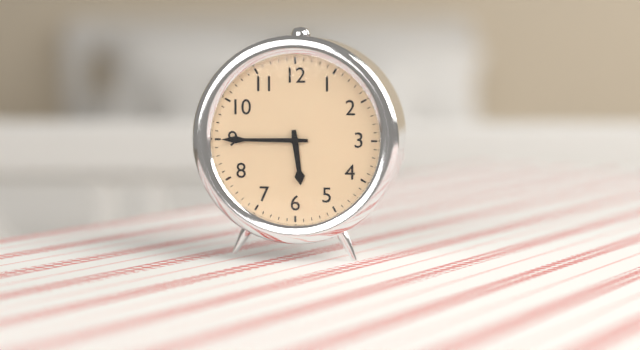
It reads 5h45
